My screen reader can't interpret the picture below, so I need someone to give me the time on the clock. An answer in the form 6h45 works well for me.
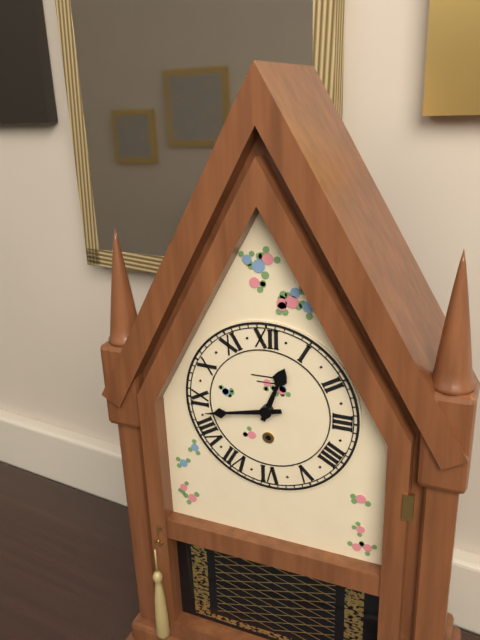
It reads 12h43
